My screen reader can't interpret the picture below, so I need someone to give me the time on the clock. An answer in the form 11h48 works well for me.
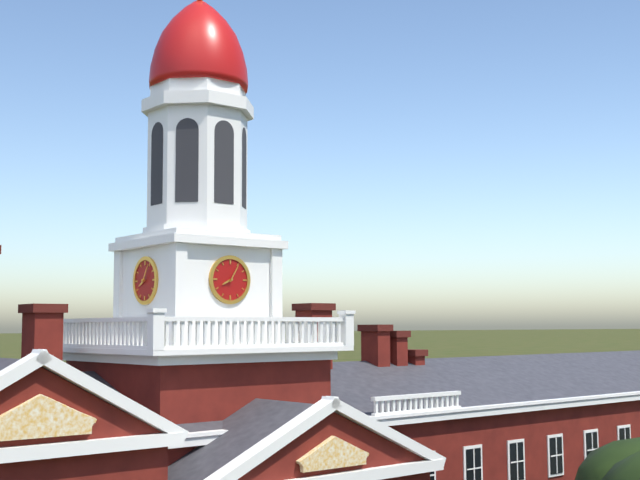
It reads 8h05
